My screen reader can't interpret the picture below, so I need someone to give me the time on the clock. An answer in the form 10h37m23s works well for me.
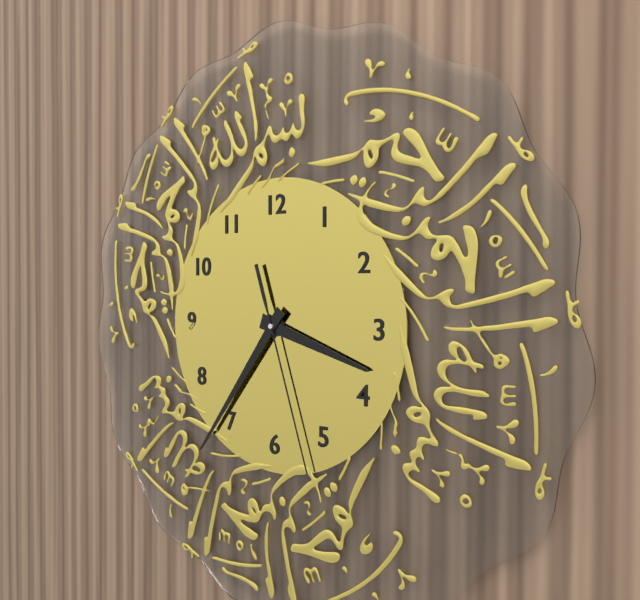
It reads 3h36m27s
